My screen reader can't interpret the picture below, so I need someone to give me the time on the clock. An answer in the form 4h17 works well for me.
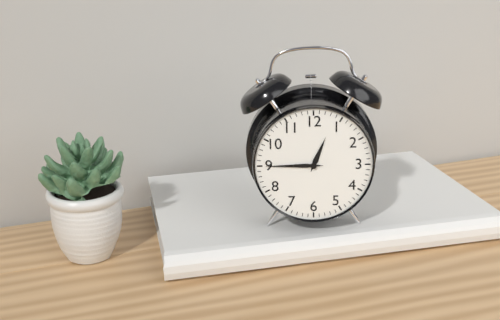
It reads 12h45
